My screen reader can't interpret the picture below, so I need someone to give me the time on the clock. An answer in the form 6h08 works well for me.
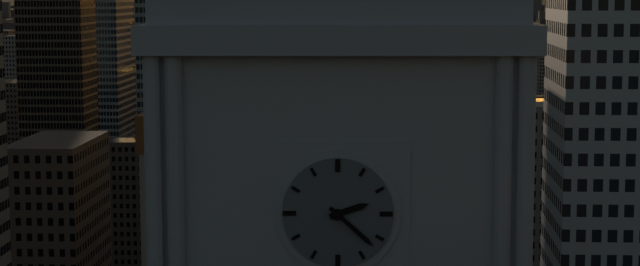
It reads 2h22
